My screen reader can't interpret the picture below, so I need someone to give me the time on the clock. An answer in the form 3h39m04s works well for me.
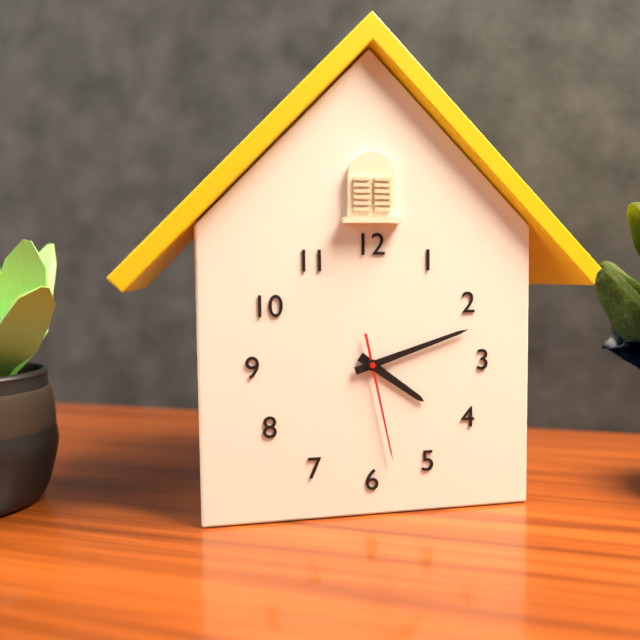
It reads 4h12m28s
